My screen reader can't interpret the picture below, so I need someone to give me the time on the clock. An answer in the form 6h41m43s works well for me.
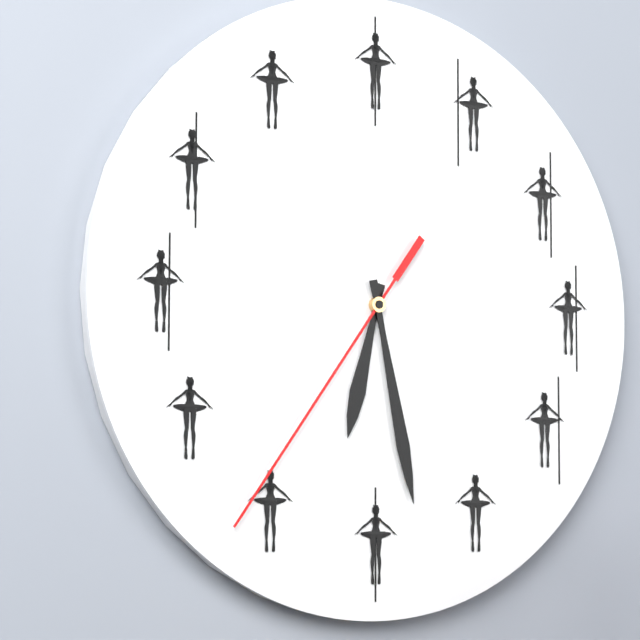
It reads 6h28m36s
